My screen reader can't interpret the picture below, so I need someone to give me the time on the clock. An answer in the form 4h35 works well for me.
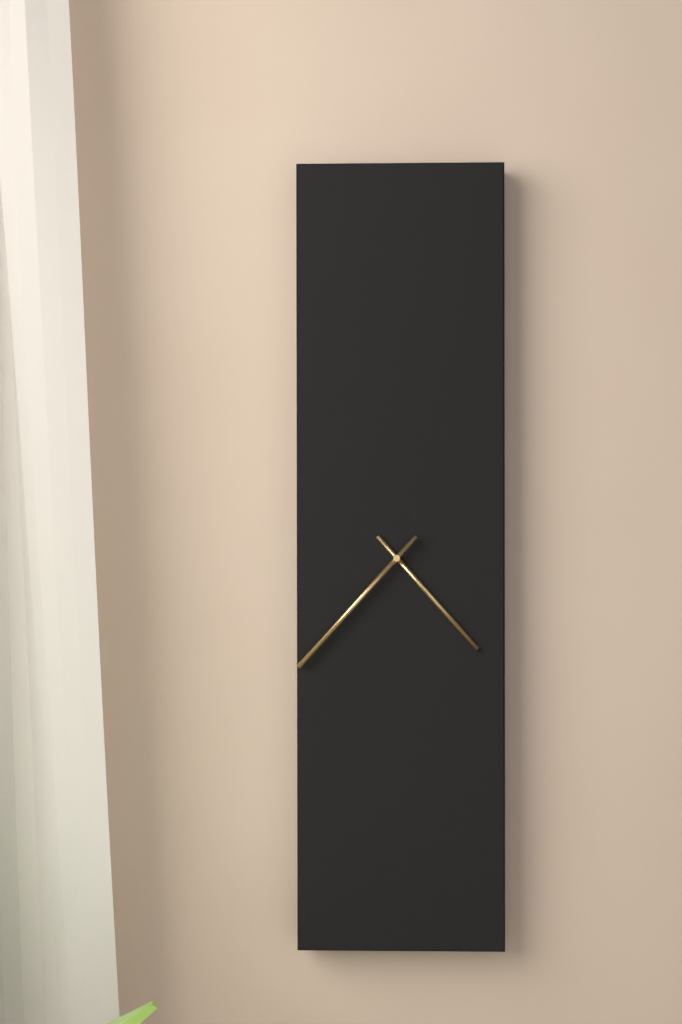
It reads 4h37
